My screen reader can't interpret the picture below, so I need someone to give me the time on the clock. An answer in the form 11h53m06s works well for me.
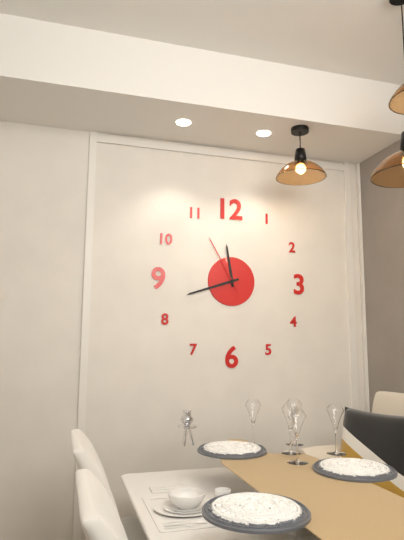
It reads 11h42m55s
